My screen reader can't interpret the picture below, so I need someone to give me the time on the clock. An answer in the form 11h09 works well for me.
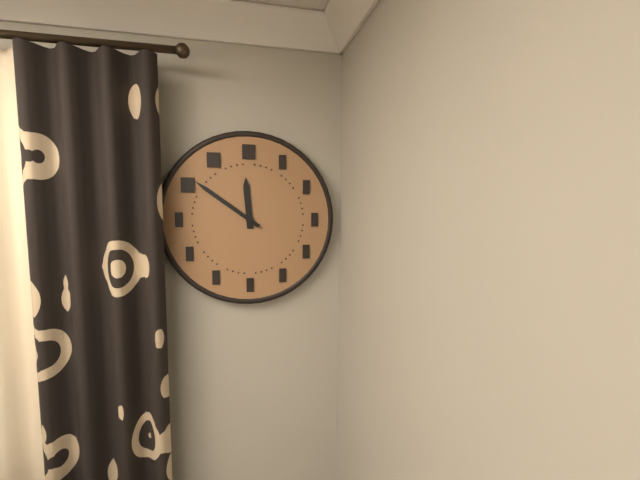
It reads 11h51
